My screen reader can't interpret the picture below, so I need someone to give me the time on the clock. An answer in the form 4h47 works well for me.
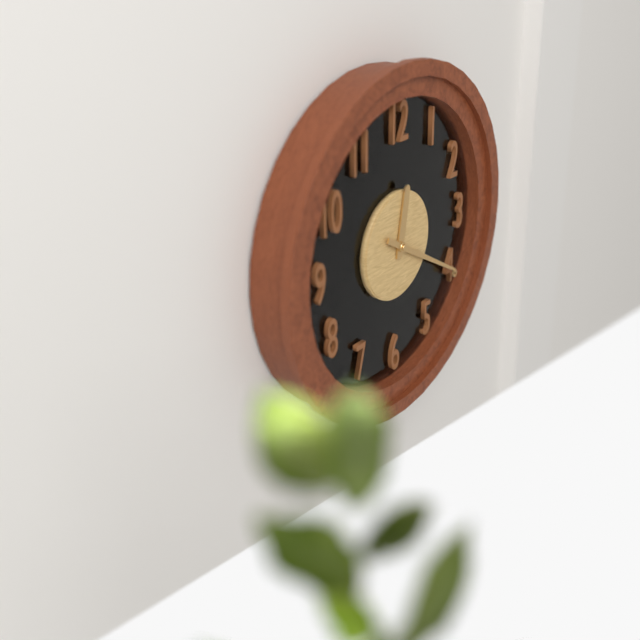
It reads 12h20
